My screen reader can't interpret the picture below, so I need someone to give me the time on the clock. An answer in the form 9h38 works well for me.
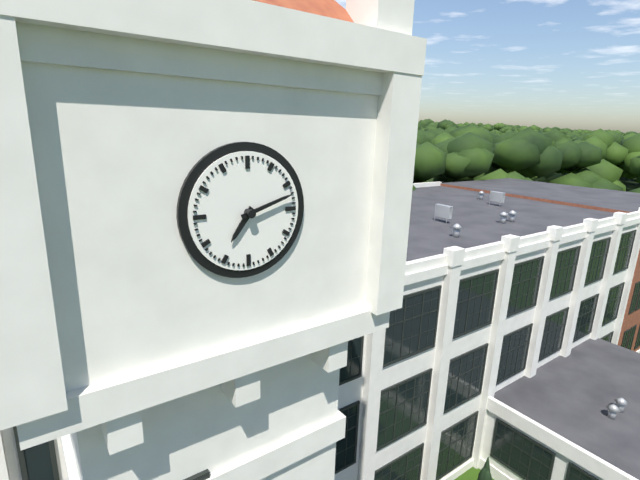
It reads 7h12
